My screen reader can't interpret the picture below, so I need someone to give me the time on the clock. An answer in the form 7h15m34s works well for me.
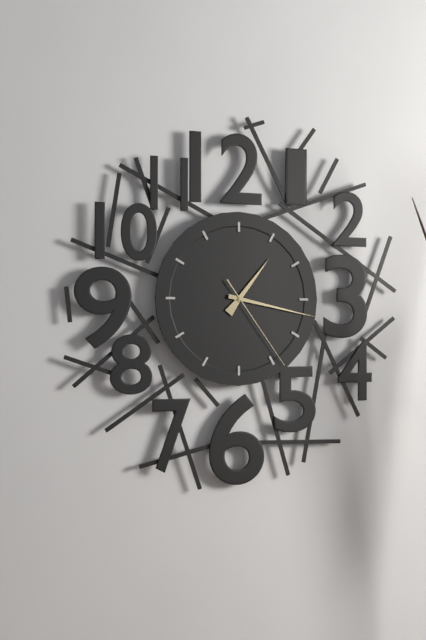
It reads 1h17m24s
